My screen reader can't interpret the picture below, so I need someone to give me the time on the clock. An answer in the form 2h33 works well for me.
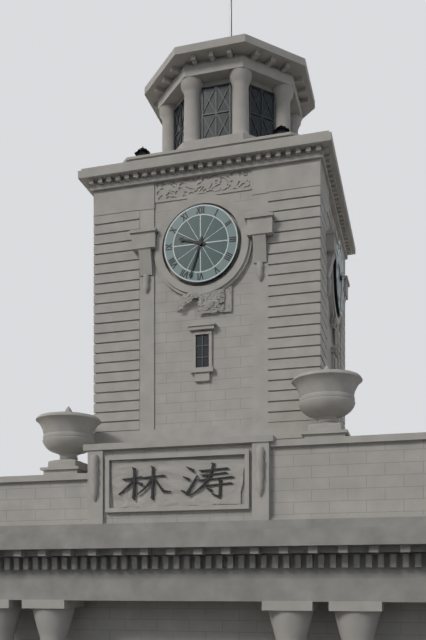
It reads 9h33
